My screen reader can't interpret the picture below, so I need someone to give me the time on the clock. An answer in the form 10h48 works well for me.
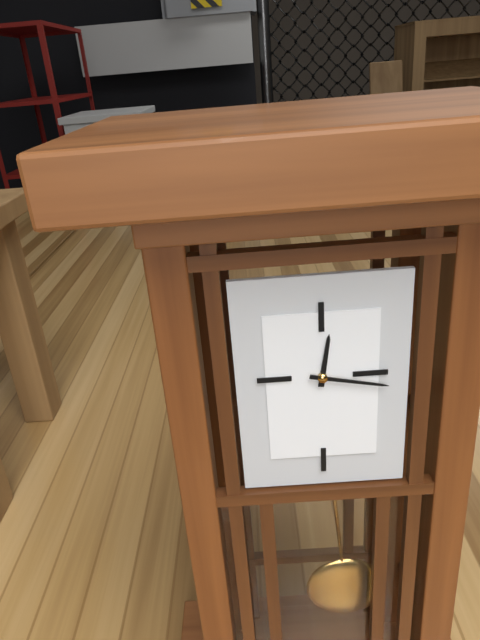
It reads 12h17
